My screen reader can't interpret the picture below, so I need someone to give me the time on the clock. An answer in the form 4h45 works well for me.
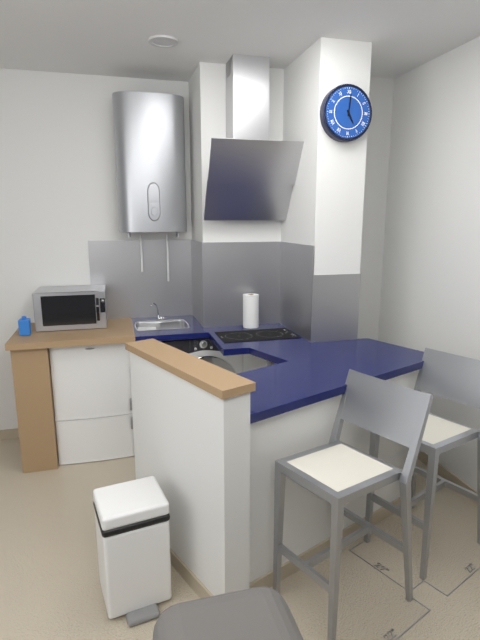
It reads 5h01
